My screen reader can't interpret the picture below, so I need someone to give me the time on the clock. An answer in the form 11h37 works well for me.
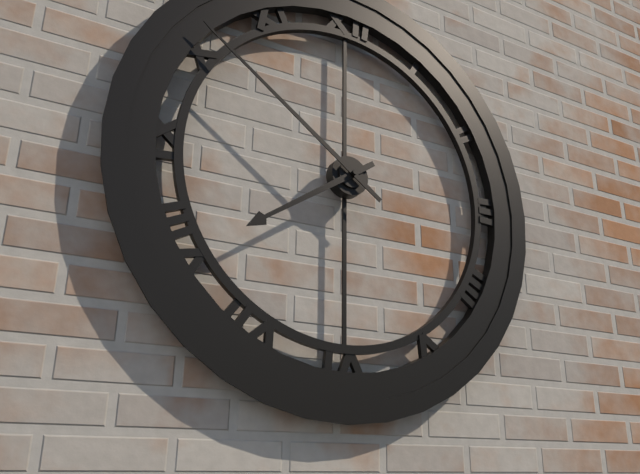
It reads 7h51
